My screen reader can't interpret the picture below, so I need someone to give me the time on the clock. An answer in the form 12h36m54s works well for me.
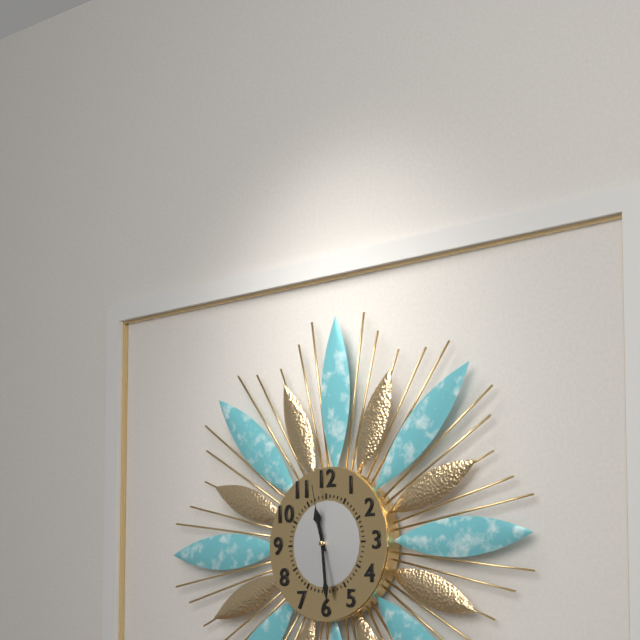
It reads 11h29m58s
